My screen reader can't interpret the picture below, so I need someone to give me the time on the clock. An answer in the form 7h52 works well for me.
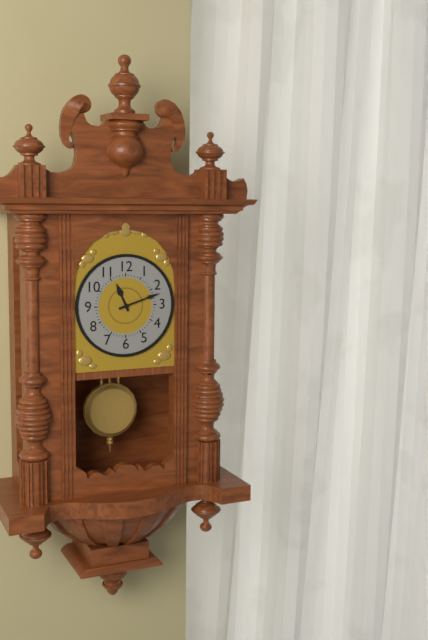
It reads 11h12
